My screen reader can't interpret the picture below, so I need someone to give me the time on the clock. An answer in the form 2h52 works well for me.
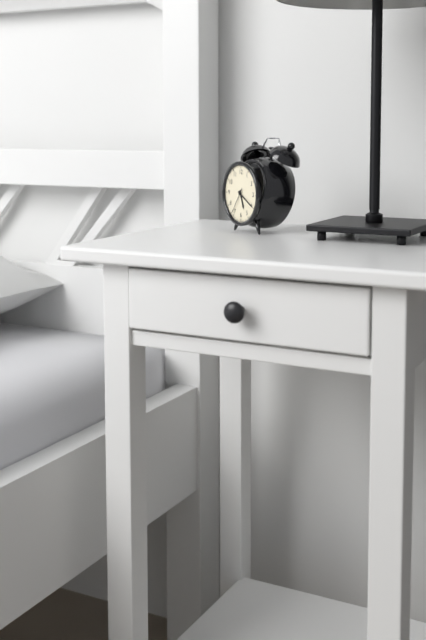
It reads 5h20
